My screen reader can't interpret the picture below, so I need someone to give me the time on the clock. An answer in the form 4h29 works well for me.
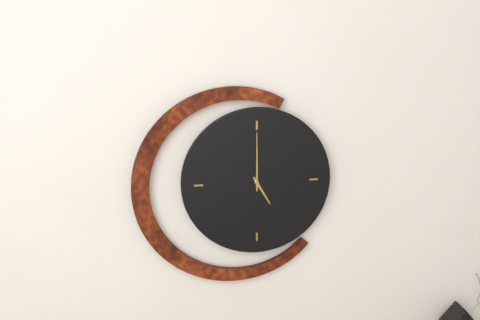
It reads 5h00
